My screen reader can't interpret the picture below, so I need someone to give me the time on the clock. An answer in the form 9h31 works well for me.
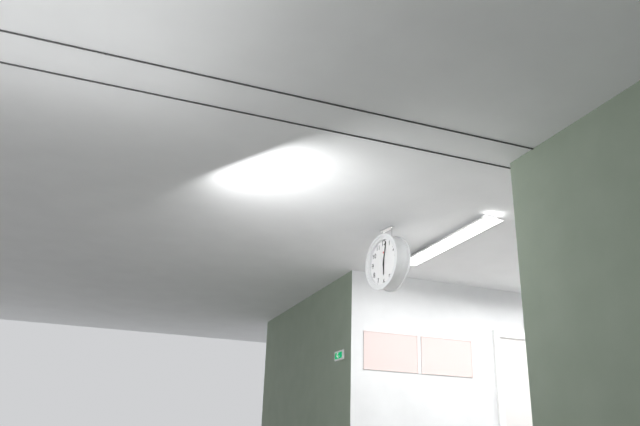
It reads 6h02
